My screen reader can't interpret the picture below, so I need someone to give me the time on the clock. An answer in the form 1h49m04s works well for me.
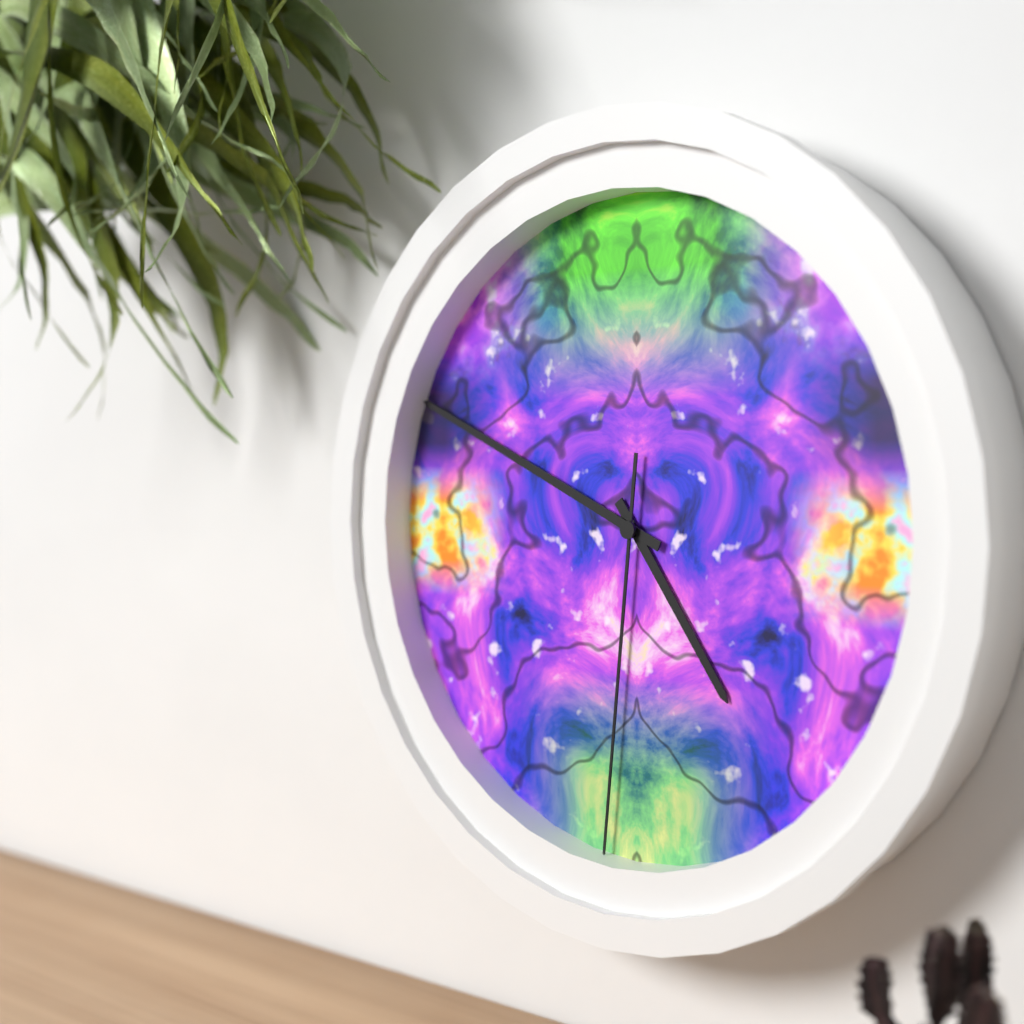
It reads 4h49m31s
